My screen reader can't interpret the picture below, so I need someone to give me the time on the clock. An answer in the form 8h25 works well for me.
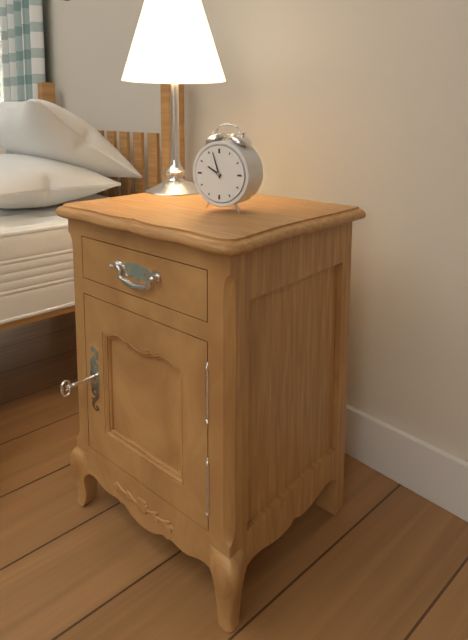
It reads 9h57
